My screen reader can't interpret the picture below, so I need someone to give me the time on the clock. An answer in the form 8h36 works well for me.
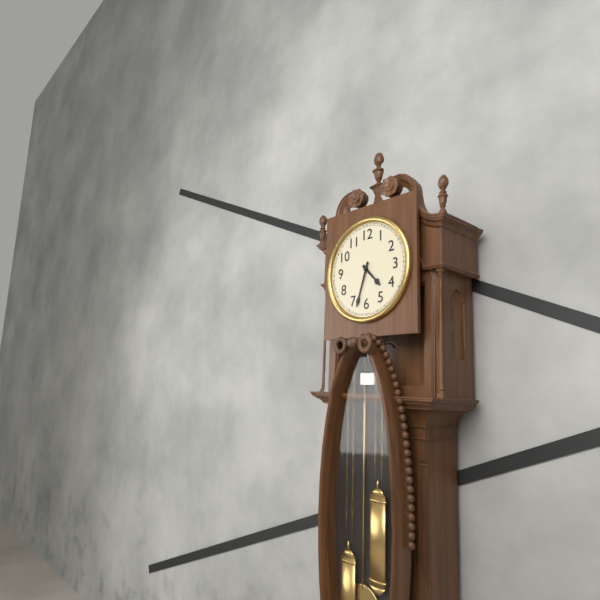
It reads 4h33
